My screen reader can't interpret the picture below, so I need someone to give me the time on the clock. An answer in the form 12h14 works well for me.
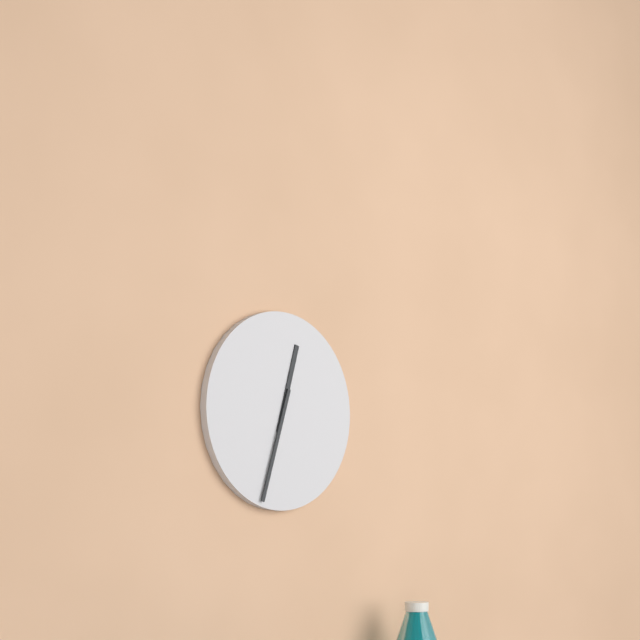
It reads 12h33
